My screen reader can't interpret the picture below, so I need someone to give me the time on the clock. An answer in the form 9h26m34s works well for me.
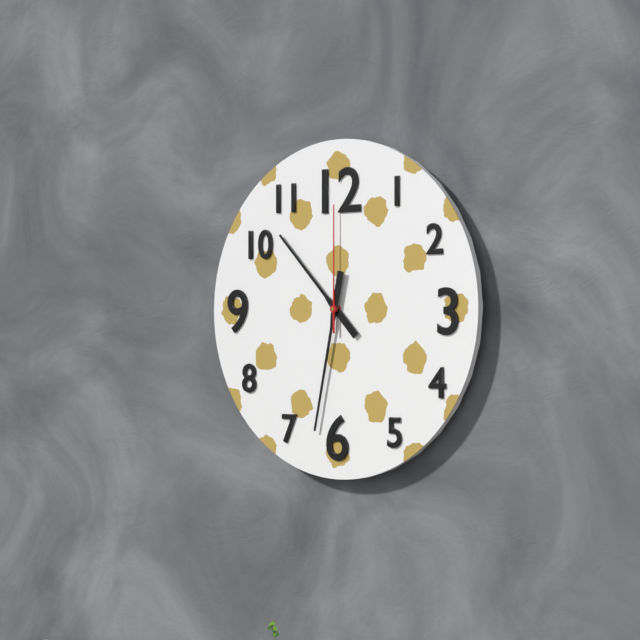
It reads 10h32m00s
